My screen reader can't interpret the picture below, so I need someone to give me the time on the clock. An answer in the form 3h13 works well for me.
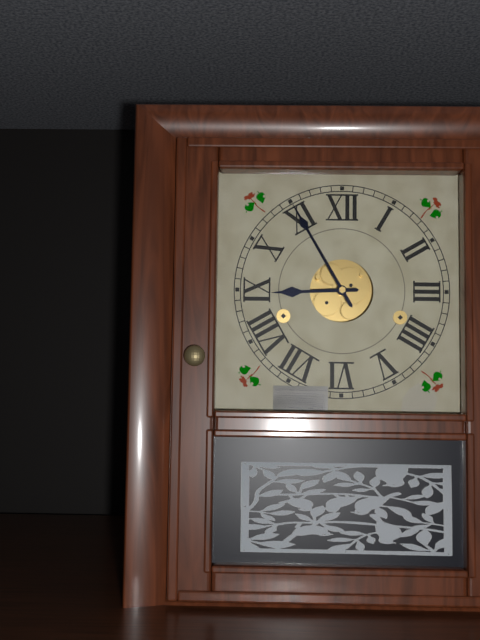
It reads 8h55
